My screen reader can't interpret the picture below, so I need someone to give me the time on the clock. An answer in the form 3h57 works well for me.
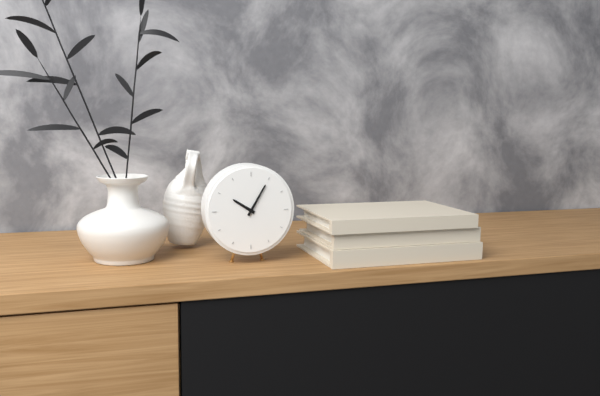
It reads 10h05
